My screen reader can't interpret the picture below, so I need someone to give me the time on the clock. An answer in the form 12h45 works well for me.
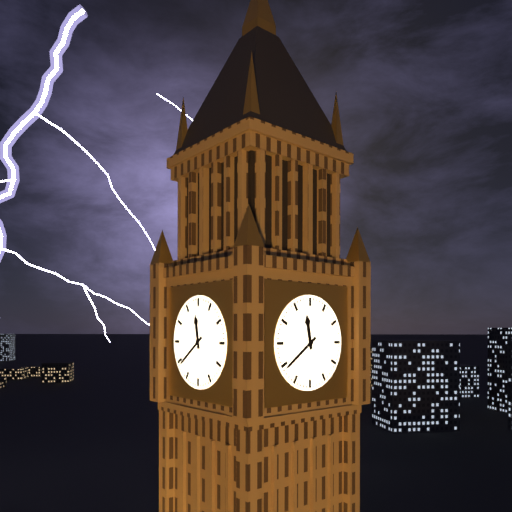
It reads 11h39
